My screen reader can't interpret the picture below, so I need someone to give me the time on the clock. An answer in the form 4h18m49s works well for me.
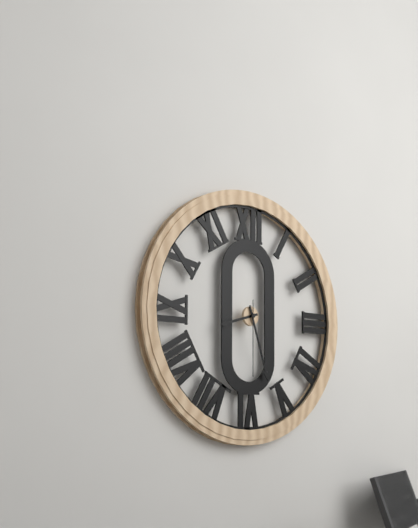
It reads 8h27m30s
